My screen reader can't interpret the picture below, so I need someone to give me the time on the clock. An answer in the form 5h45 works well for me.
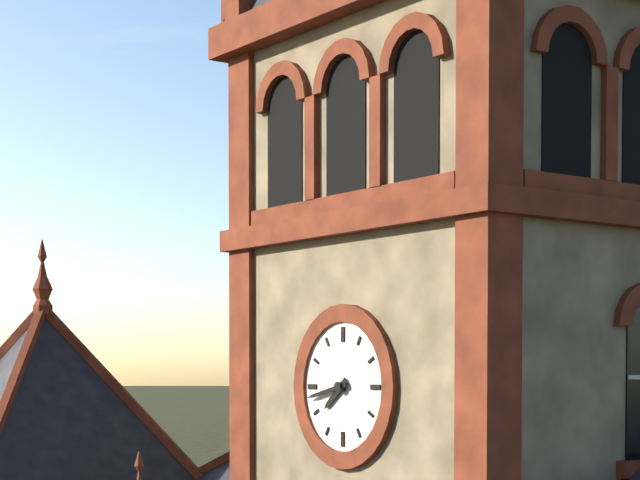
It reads 7h43
